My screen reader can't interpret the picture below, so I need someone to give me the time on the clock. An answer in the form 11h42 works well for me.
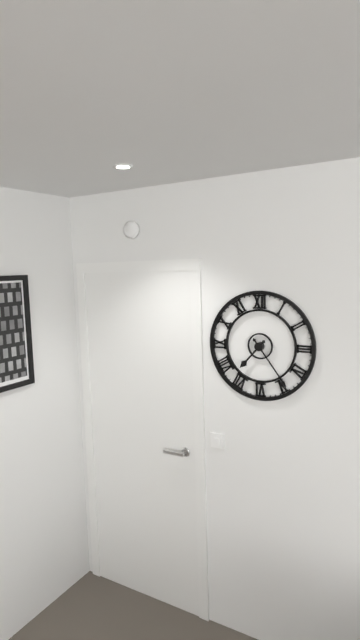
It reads 7h24
